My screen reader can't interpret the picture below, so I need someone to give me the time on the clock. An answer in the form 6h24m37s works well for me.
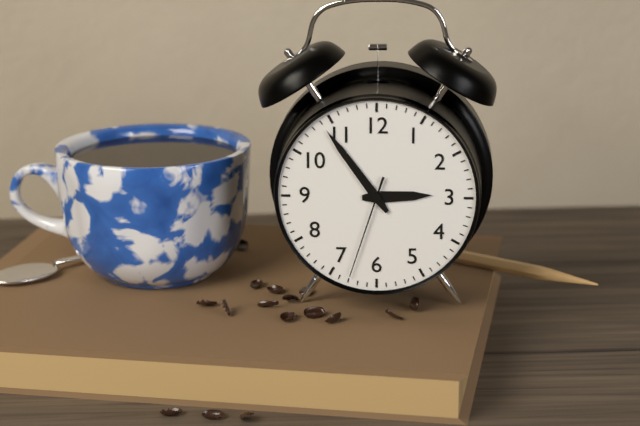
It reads 2h54m33s
